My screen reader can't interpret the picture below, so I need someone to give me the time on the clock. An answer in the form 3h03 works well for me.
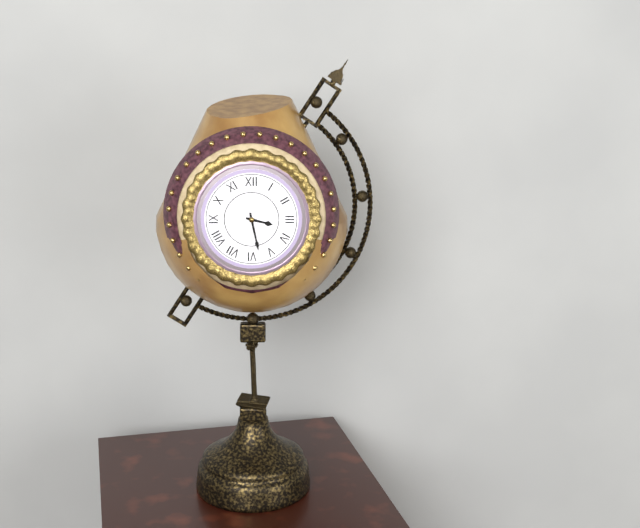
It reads 3h28
